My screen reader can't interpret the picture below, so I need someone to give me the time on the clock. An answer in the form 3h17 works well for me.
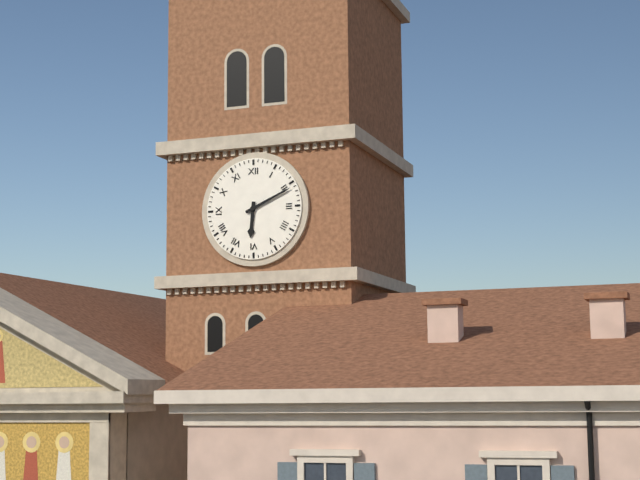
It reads 6h11
